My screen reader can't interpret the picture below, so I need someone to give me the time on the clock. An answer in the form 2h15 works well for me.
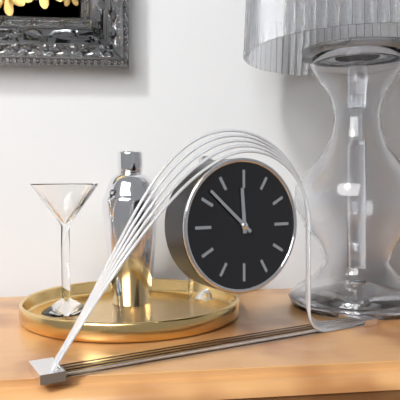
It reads 11h52
